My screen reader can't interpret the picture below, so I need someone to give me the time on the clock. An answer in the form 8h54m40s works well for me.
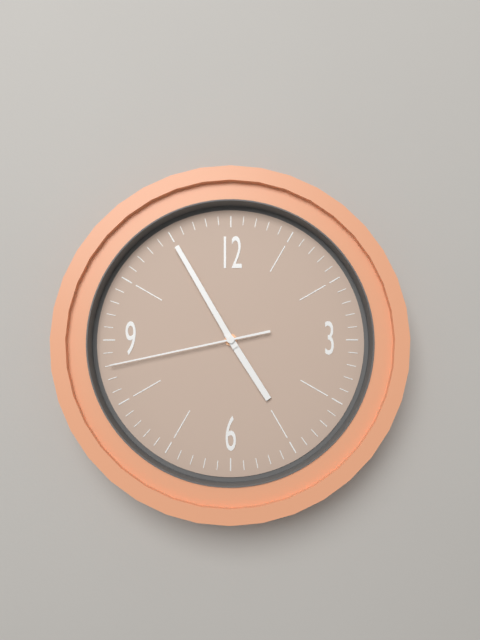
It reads 4h55m43s
